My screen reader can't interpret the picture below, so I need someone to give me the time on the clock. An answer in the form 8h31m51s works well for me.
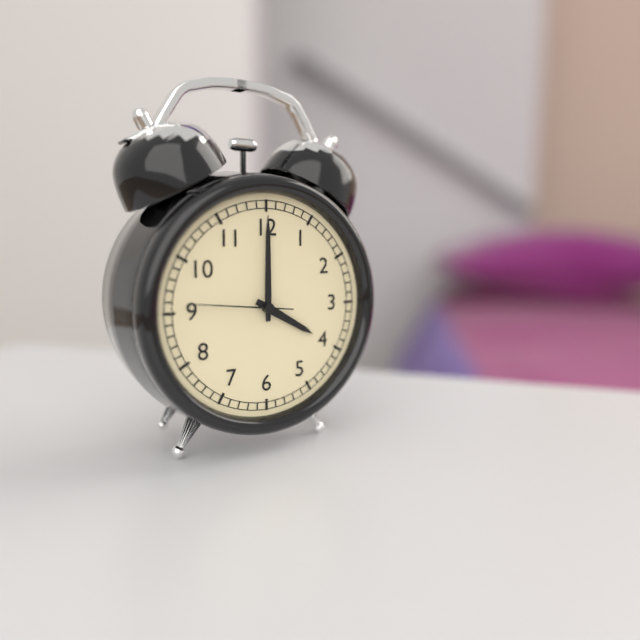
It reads 4h00m46s
